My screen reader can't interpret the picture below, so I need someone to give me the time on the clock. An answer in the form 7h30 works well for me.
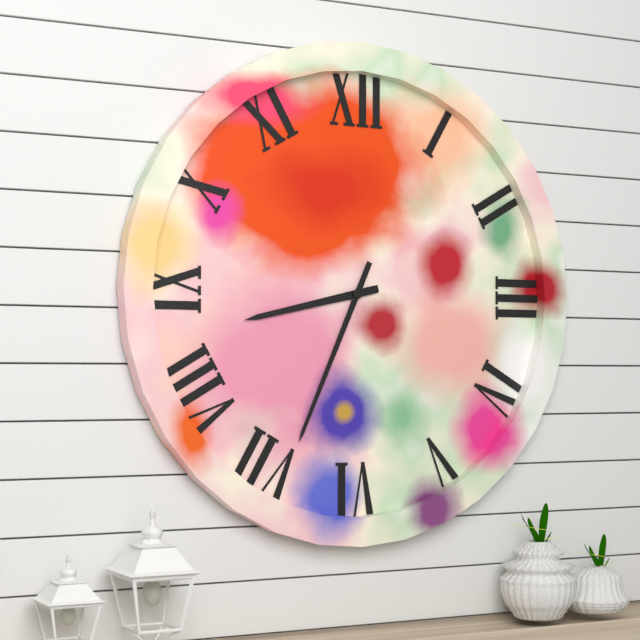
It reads 8h34
